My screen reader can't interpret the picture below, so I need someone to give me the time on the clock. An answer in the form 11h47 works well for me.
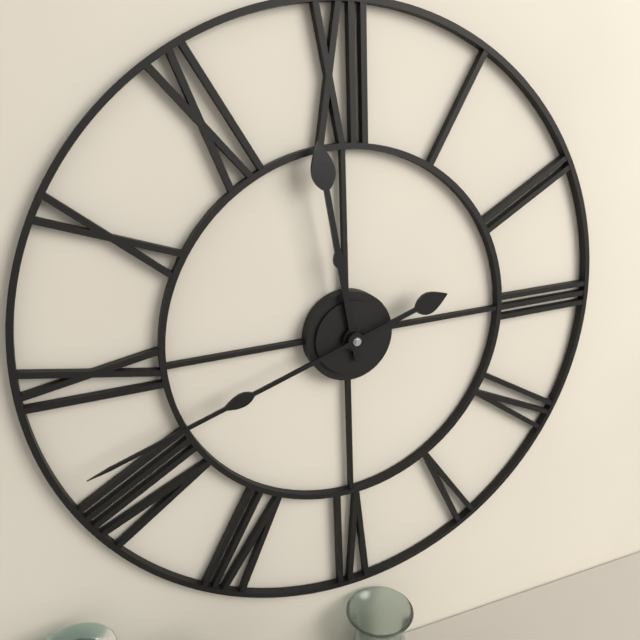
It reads 11h42
